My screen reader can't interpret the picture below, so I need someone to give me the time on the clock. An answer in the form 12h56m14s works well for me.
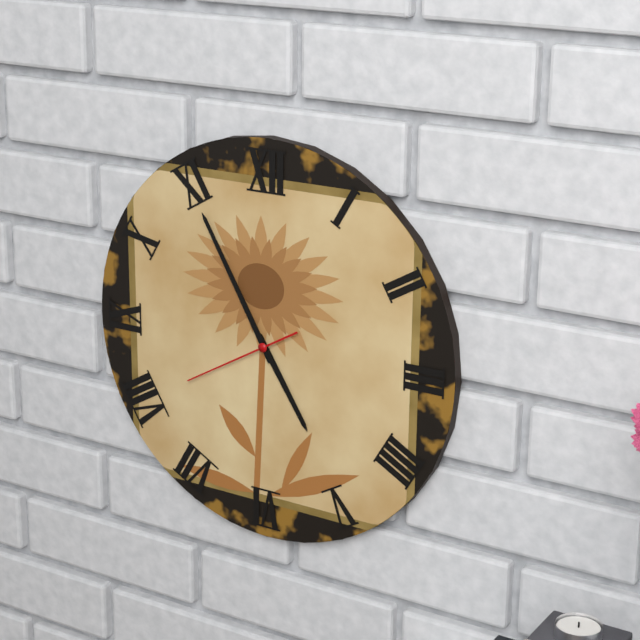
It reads 4h55m40s
